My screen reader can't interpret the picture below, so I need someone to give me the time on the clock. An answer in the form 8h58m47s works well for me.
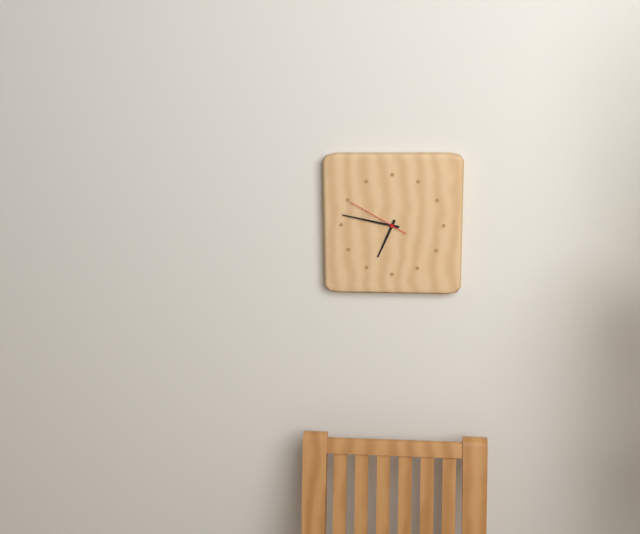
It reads 6h47m50s
